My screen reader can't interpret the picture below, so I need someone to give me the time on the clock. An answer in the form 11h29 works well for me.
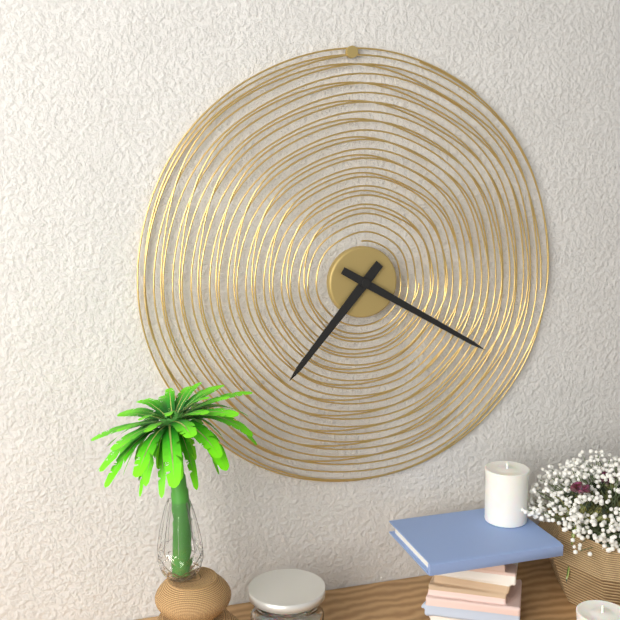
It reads 7h20
